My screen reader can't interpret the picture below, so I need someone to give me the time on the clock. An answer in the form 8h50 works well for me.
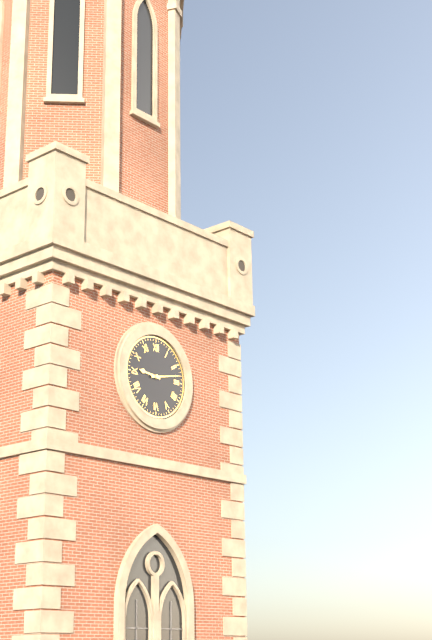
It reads 9h13
